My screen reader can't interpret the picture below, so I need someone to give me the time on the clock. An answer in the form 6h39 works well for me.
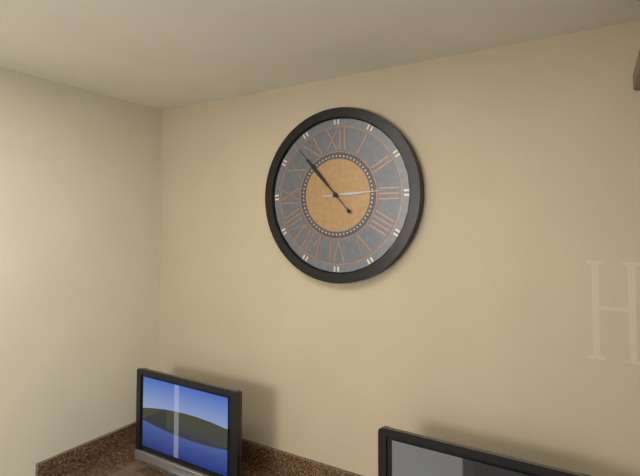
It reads 2h53
